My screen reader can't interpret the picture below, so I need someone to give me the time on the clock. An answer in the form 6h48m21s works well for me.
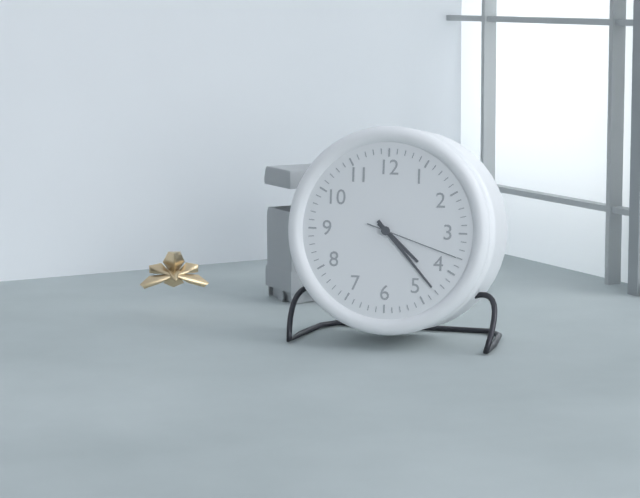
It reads 4h23m18s
